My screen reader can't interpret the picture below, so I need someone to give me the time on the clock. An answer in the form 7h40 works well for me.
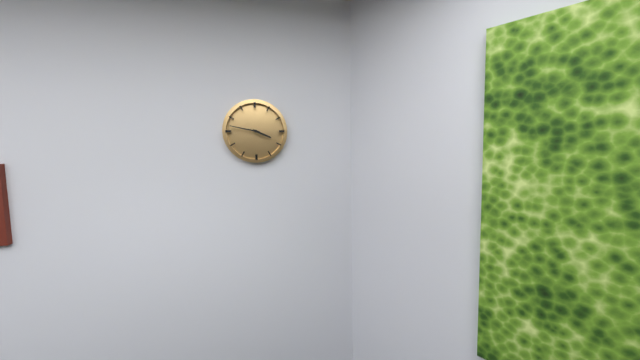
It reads 3h47
